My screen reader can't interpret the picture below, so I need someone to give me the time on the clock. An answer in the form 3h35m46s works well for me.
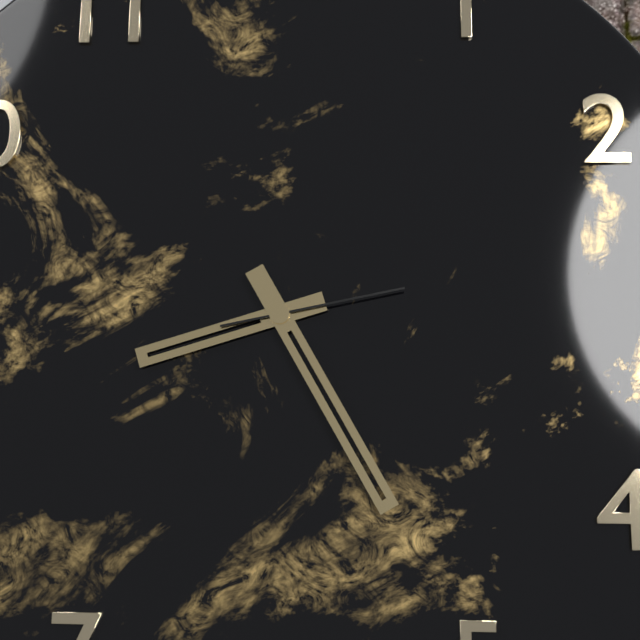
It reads 8h25m13s
